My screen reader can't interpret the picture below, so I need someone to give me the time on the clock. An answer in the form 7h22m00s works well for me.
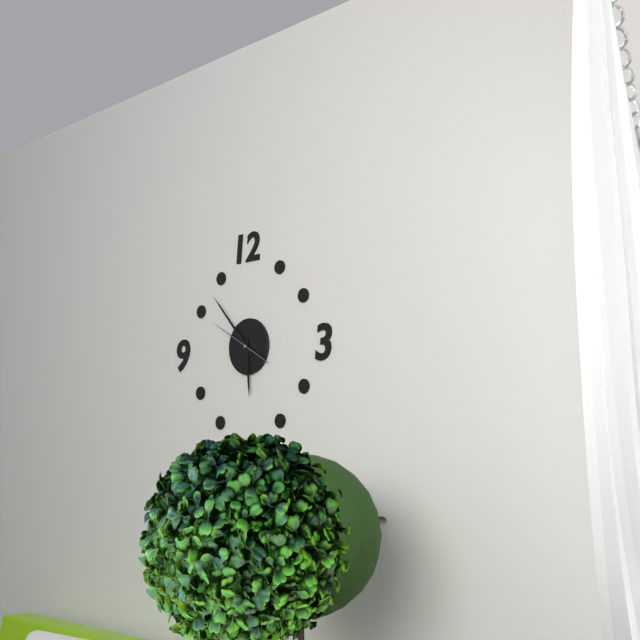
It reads 5h53m50s
